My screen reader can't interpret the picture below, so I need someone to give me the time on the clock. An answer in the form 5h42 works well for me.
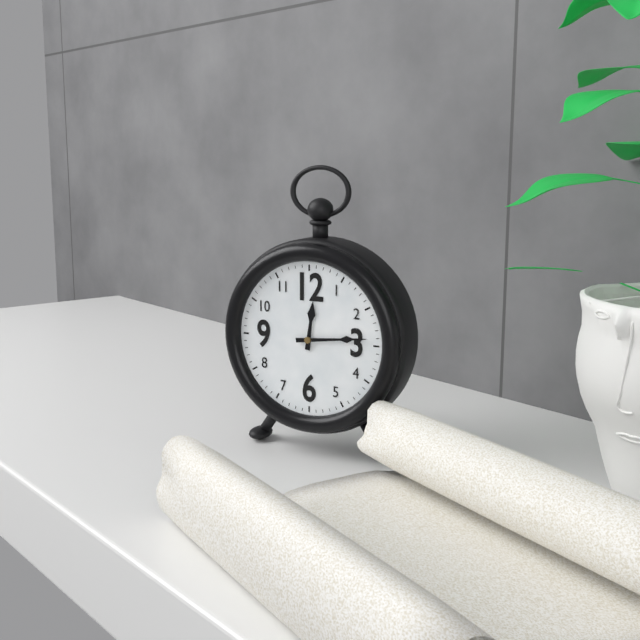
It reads 12h14
